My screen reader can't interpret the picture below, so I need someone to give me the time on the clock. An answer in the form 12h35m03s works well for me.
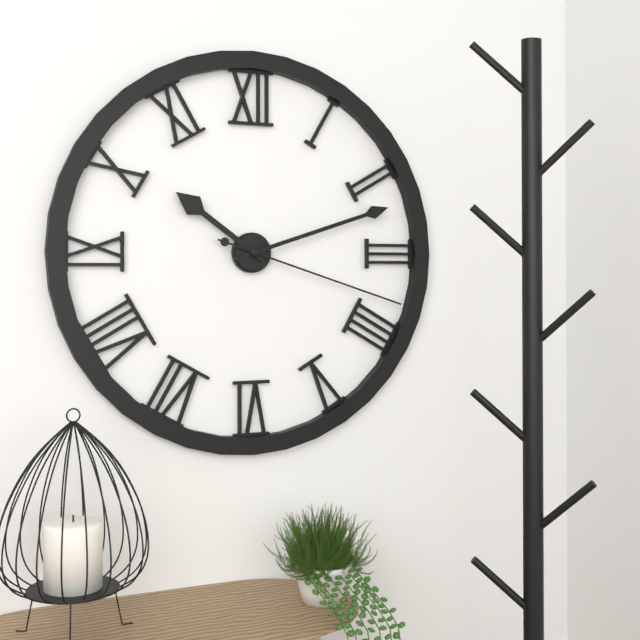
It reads 10h12m18s
